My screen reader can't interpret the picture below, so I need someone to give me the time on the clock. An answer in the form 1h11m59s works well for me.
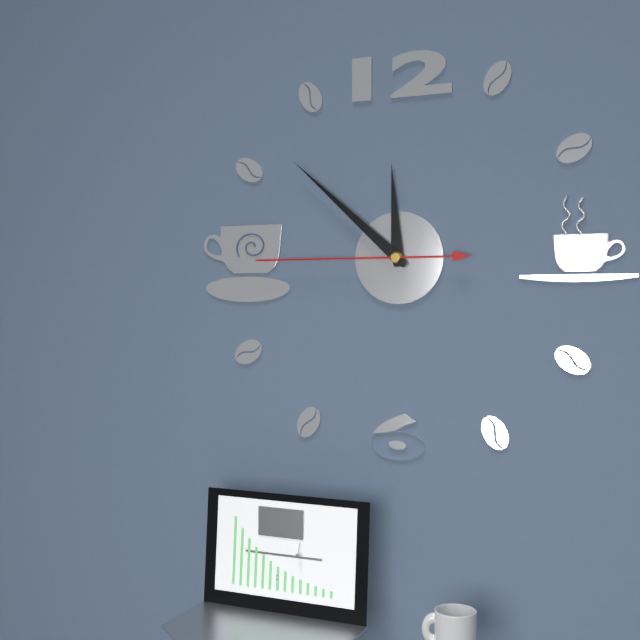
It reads 11h52m45s
